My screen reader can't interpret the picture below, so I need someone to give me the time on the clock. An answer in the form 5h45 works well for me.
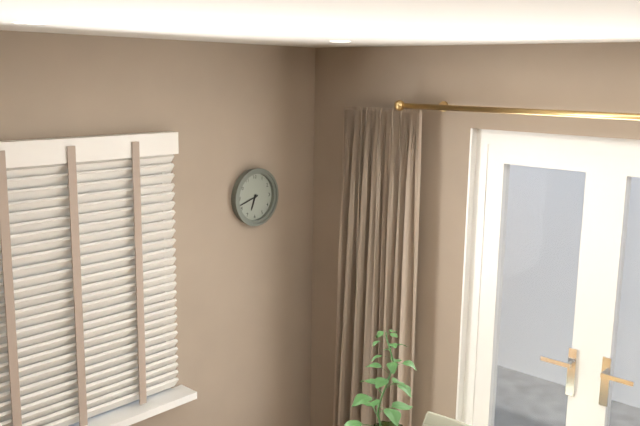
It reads 6h42
